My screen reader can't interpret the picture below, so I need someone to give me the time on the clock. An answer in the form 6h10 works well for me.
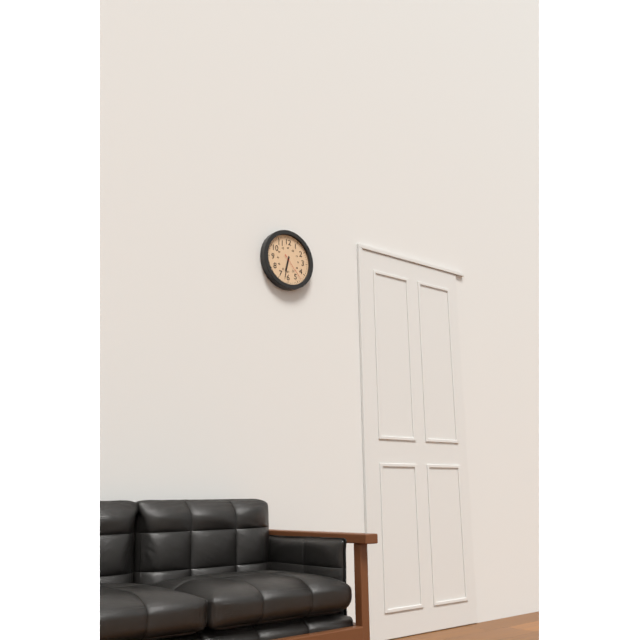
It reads 6h32
